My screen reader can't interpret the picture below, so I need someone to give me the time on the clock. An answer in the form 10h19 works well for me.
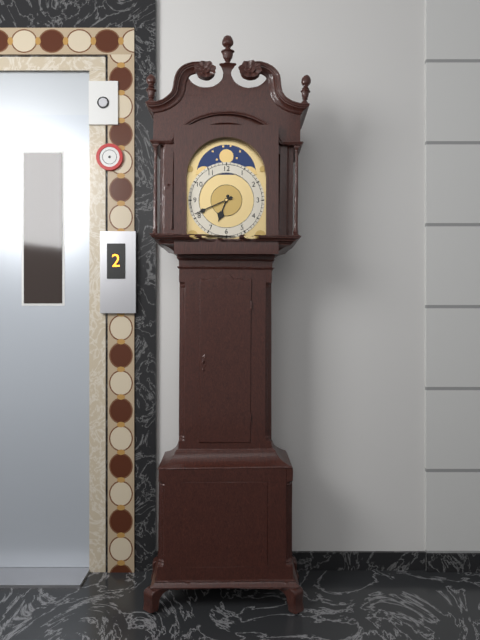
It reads 6h41
